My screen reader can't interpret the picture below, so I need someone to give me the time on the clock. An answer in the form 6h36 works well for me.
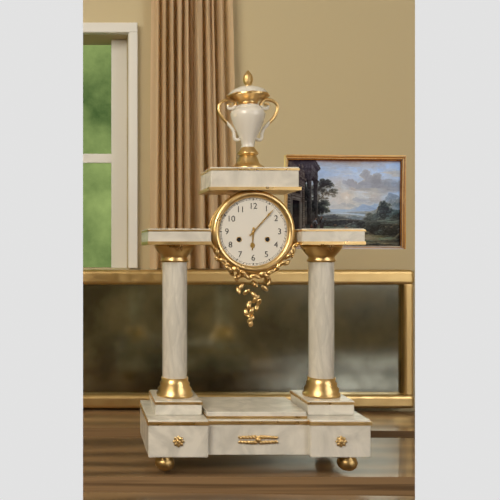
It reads 6h07
